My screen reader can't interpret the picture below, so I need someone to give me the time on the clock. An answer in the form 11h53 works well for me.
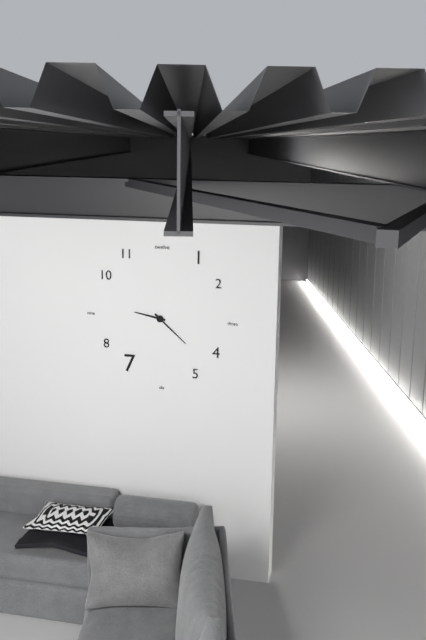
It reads 9h22
